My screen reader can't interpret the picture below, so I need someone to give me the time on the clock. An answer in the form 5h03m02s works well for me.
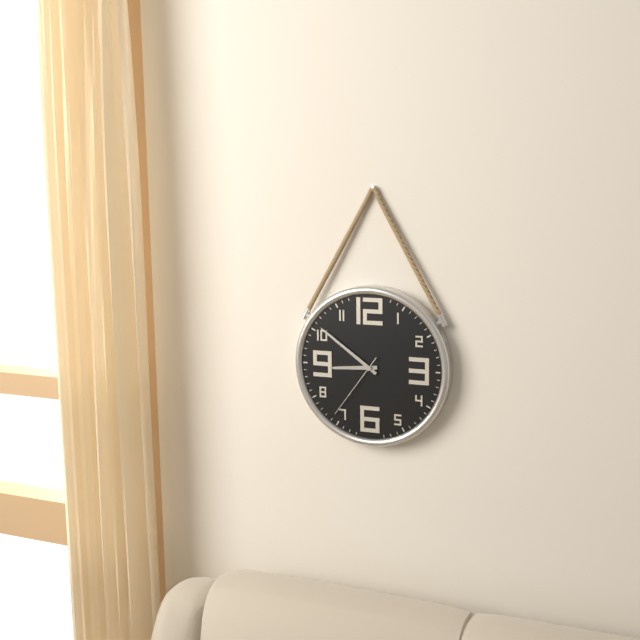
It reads 8h51m36s
